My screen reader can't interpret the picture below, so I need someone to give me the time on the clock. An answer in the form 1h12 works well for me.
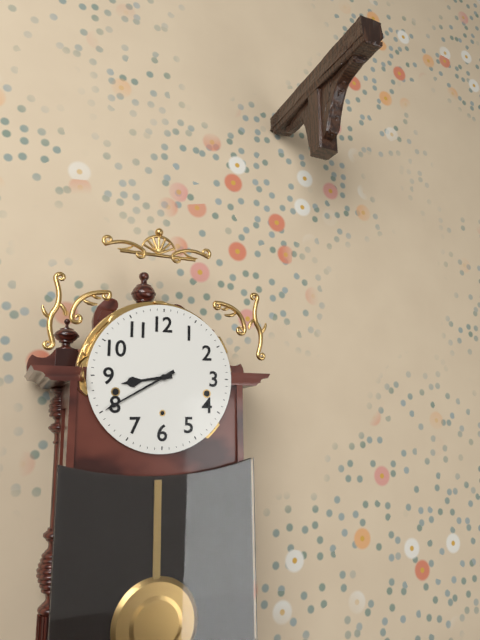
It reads 8h40
